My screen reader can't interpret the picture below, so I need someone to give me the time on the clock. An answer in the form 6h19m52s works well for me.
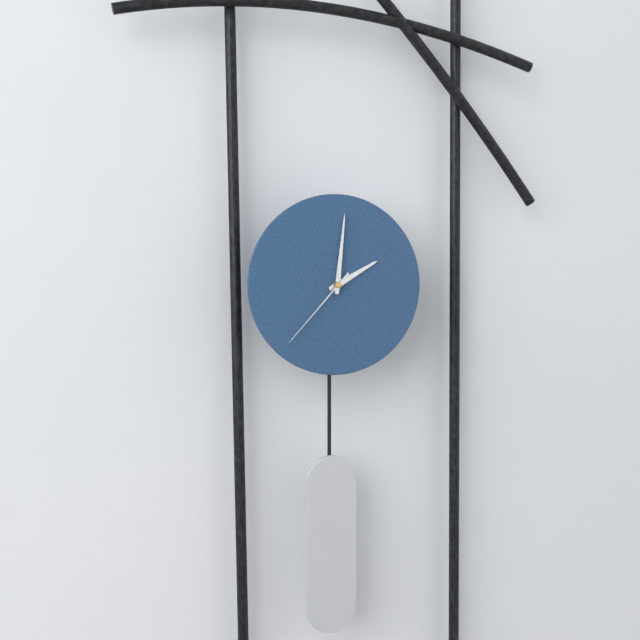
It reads 2h01m37s
